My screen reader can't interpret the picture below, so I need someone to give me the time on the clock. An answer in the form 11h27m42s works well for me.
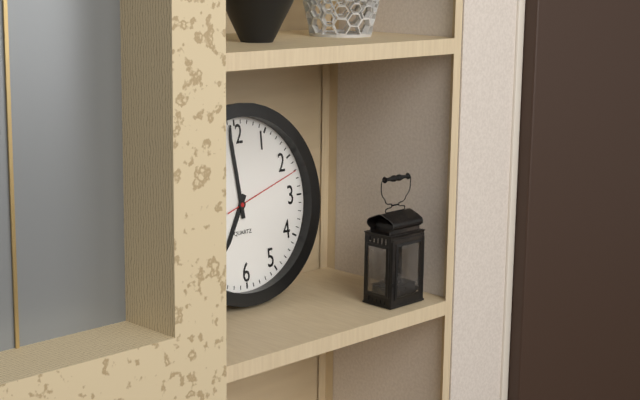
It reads 6h59m12s
